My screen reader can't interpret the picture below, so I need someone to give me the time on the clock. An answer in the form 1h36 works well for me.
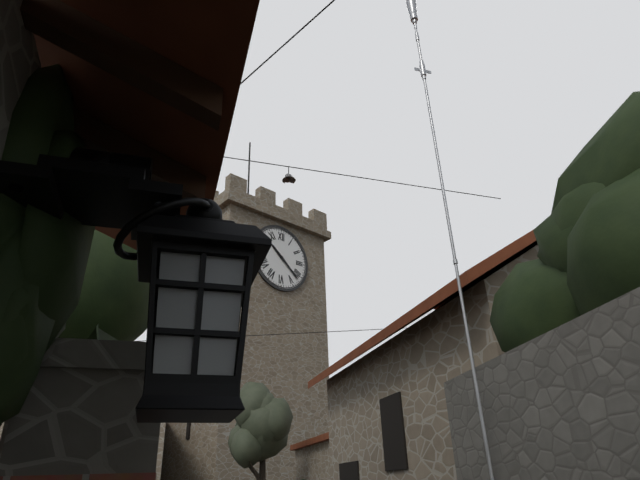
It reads 10h22
